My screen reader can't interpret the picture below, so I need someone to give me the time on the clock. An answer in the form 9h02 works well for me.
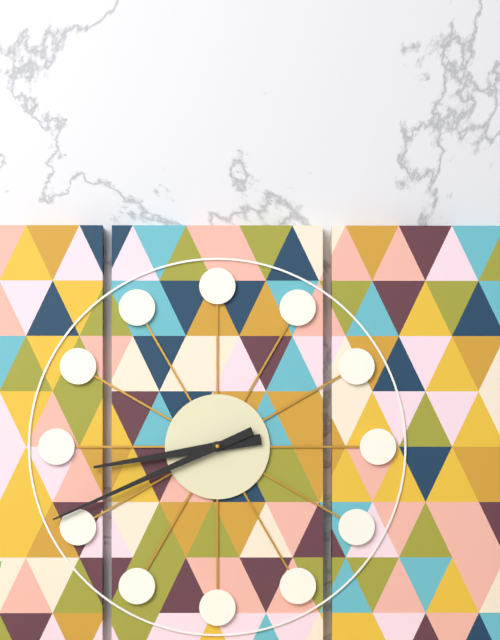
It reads 8h41
